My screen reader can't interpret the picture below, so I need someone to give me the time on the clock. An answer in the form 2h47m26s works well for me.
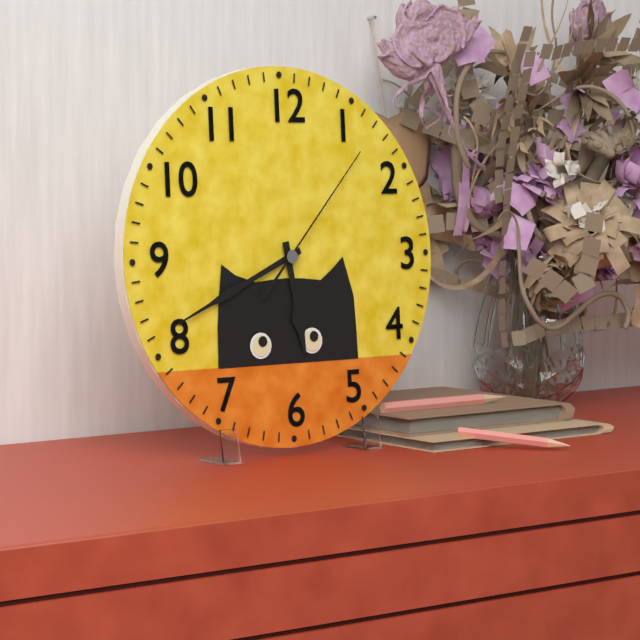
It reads 5h41m07s
